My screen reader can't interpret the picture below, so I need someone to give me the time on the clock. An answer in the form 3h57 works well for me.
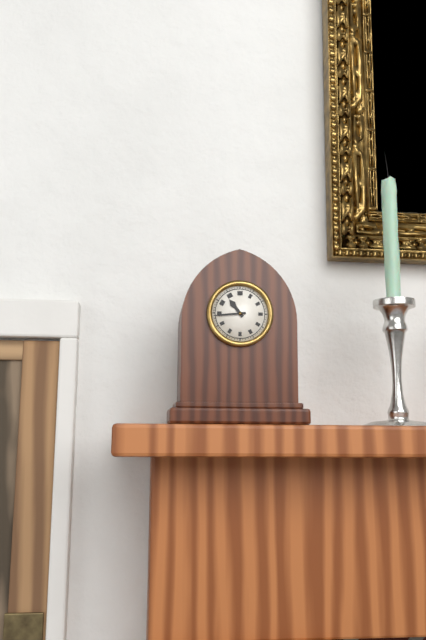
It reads 10h44
